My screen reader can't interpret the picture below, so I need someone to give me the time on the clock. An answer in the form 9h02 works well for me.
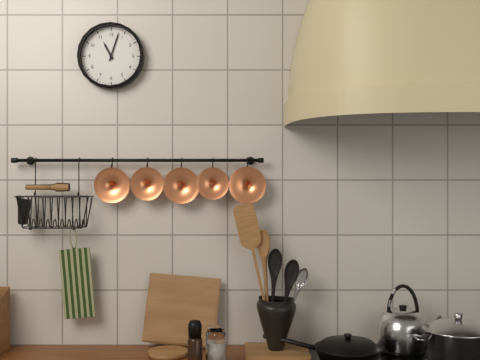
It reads 11h03
